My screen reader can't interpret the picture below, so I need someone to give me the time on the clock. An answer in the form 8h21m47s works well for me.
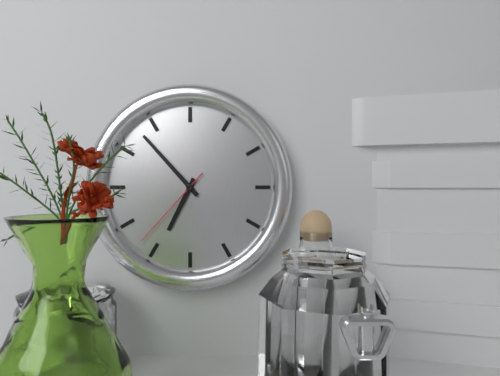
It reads 6h53m37s
